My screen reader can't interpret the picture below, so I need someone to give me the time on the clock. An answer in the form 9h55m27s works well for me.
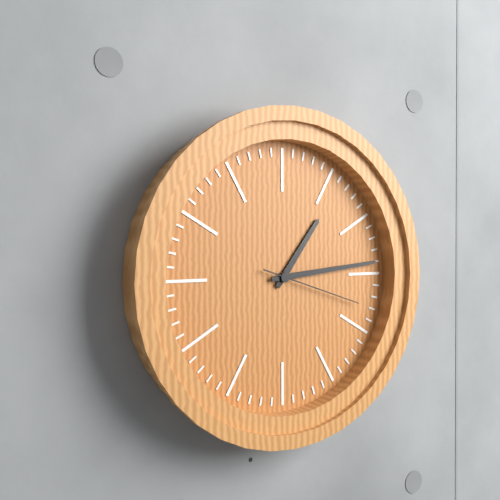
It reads 1h14m18s
